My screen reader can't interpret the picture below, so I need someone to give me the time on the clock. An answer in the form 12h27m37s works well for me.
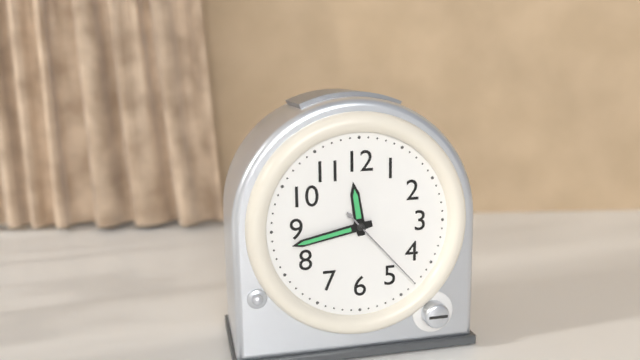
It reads 11h43m23s
